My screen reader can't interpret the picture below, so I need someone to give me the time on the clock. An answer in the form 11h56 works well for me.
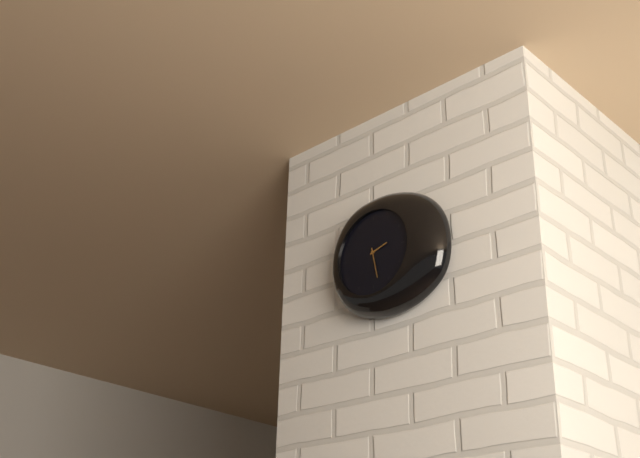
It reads 2h28
